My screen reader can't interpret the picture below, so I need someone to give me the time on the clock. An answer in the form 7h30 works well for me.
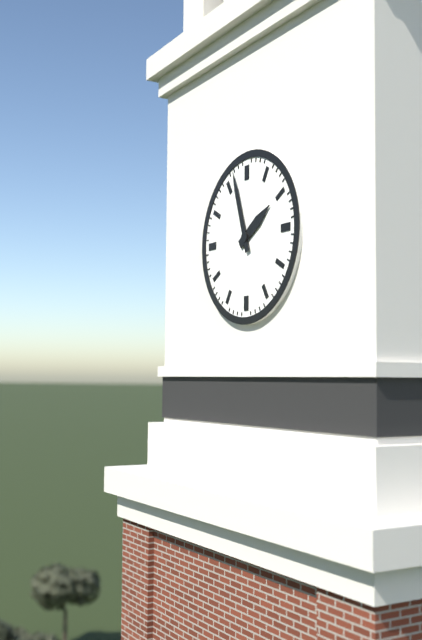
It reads 1h57
